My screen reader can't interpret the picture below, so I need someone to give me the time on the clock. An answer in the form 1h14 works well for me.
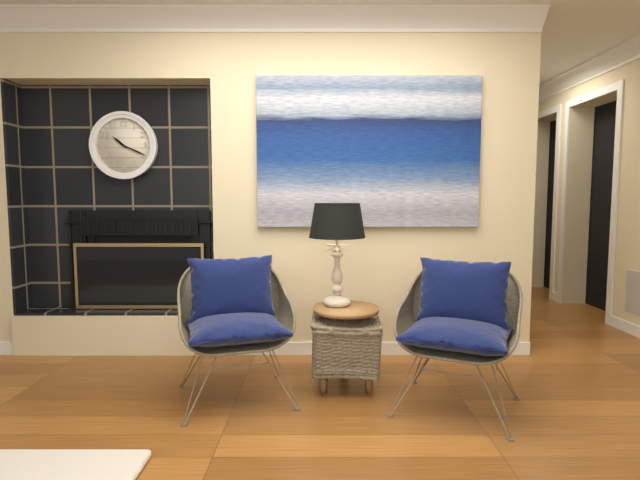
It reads 10h19
